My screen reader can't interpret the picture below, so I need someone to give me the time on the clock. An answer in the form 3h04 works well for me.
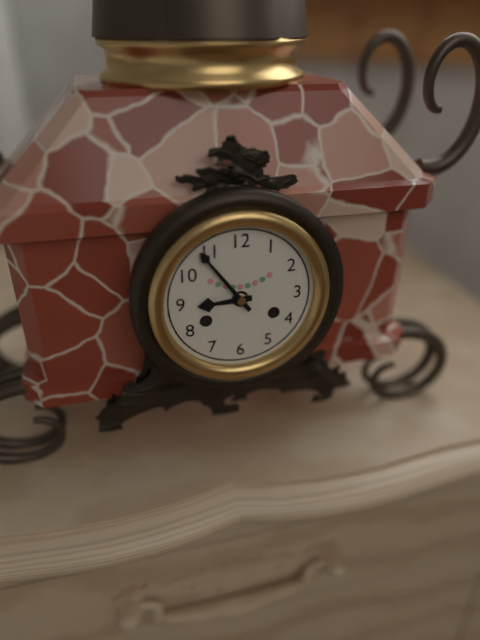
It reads 8h54
